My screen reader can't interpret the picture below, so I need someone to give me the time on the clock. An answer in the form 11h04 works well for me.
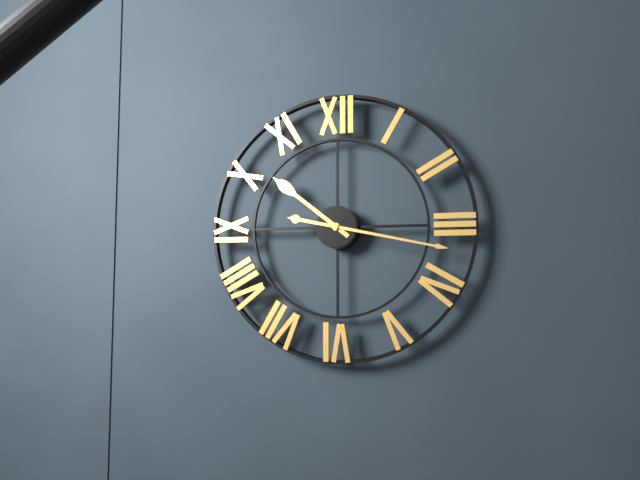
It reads 10h17
